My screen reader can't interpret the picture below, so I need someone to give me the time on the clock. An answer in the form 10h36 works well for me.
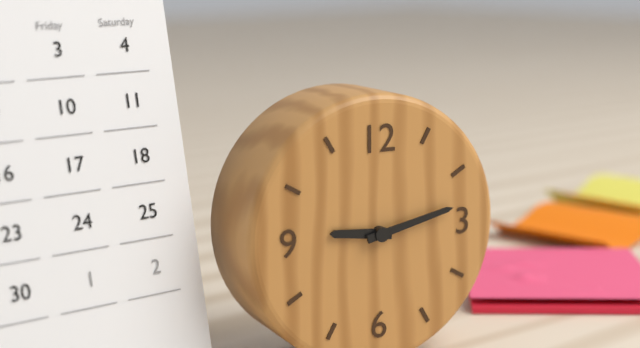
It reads 9h13
